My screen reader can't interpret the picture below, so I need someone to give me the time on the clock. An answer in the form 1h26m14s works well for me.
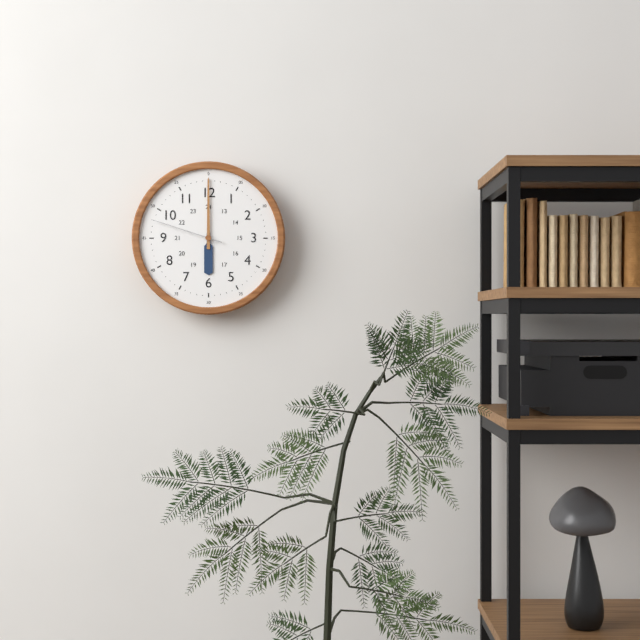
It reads 6h00m48s
